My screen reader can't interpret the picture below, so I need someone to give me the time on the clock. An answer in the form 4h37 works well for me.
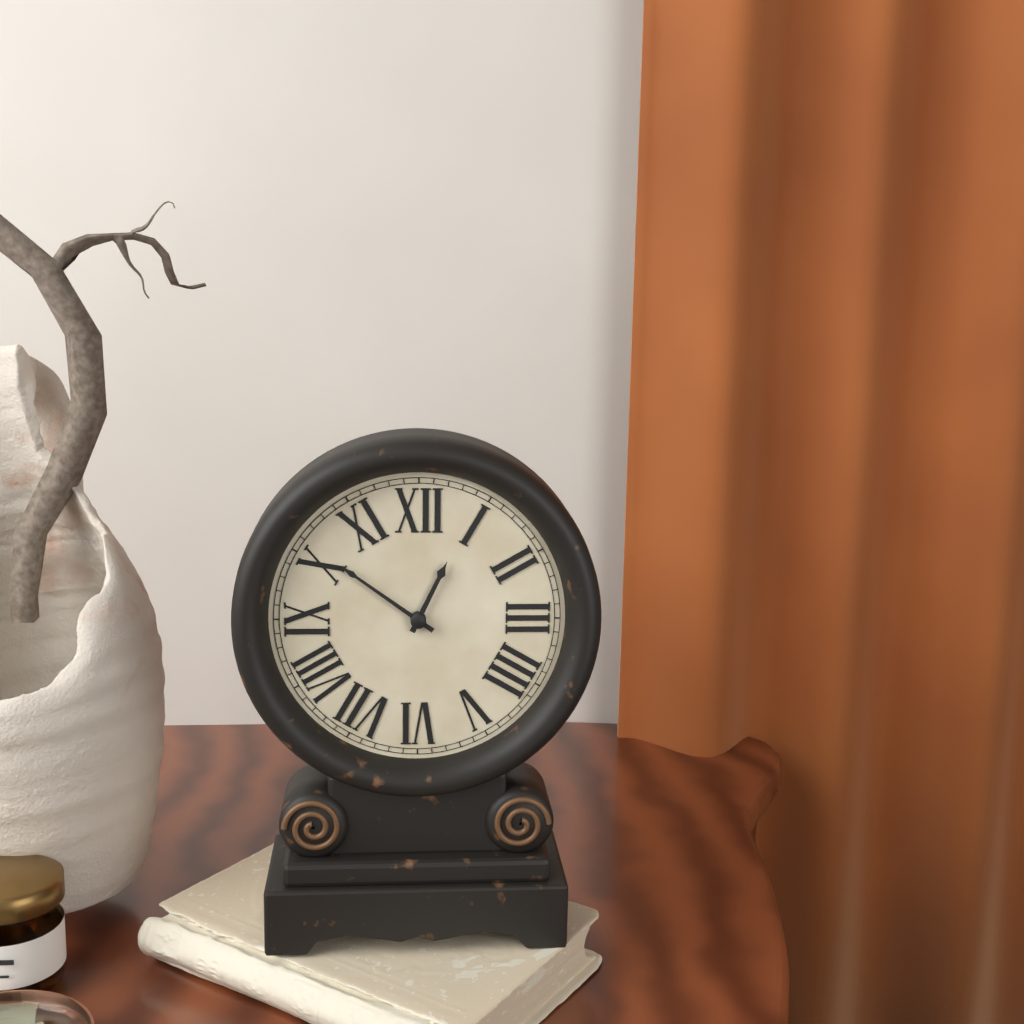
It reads 12h51
